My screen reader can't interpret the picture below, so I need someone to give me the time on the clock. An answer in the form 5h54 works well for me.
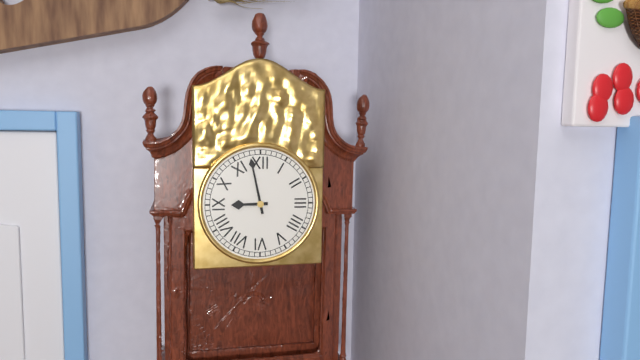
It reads 8h58
